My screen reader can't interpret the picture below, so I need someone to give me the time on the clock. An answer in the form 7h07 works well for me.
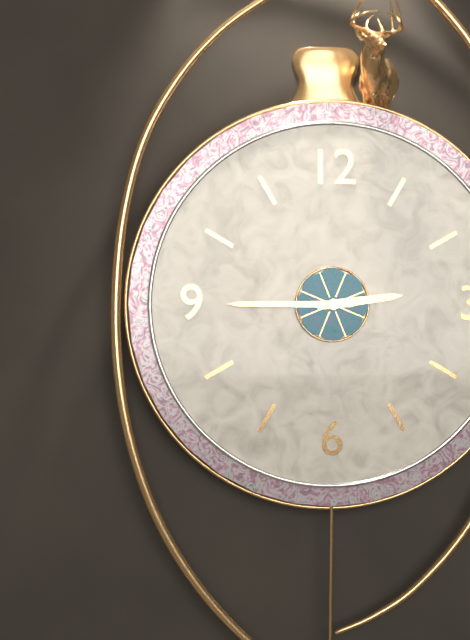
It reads 2h45
